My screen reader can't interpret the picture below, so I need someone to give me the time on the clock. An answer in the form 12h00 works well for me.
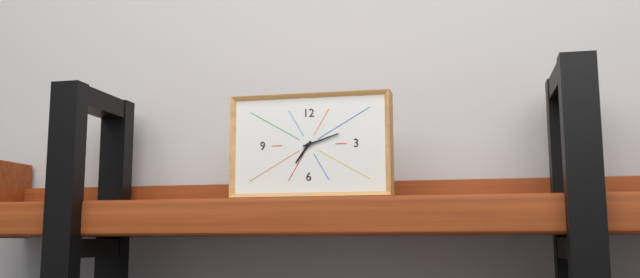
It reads 7h12
